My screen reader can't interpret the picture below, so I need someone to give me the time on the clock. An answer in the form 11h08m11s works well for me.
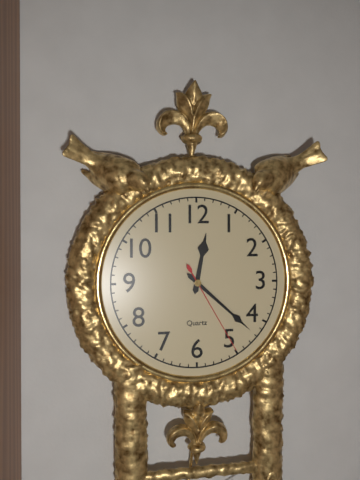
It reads 12h22m25s
